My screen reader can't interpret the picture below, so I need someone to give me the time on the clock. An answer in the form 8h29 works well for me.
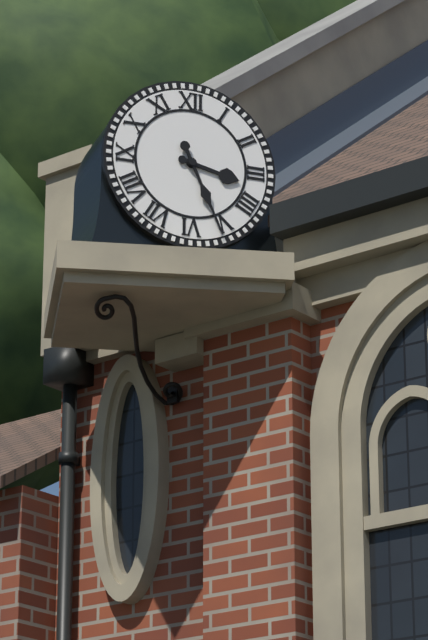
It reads 3h26
